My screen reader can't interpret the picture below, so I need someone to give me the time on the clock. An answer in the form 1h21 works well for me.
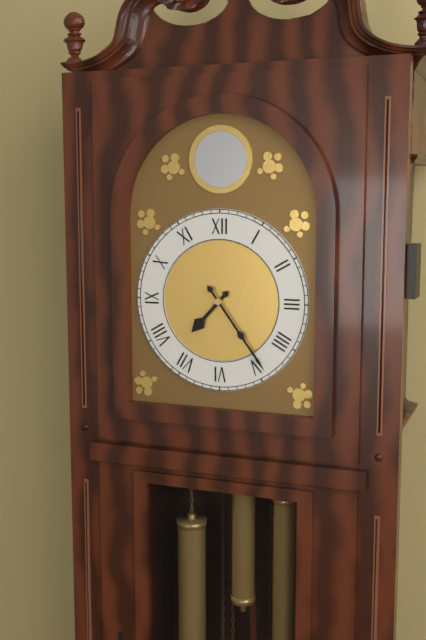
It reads 7h24
